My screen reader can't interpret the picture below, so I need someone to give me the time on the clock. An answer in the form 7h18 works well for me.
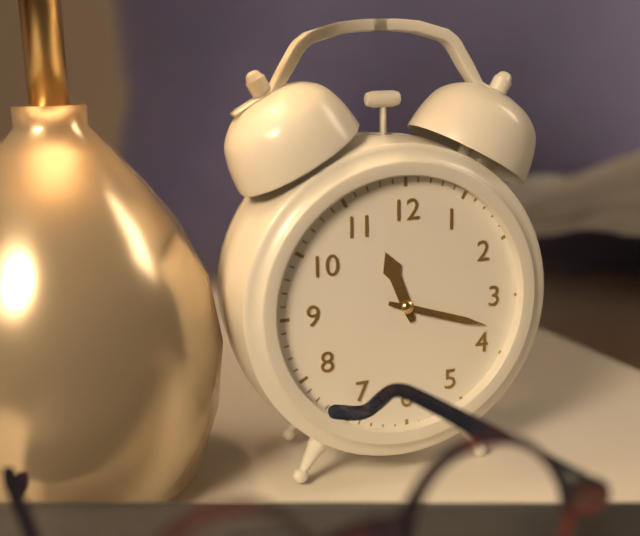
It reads 11h18
